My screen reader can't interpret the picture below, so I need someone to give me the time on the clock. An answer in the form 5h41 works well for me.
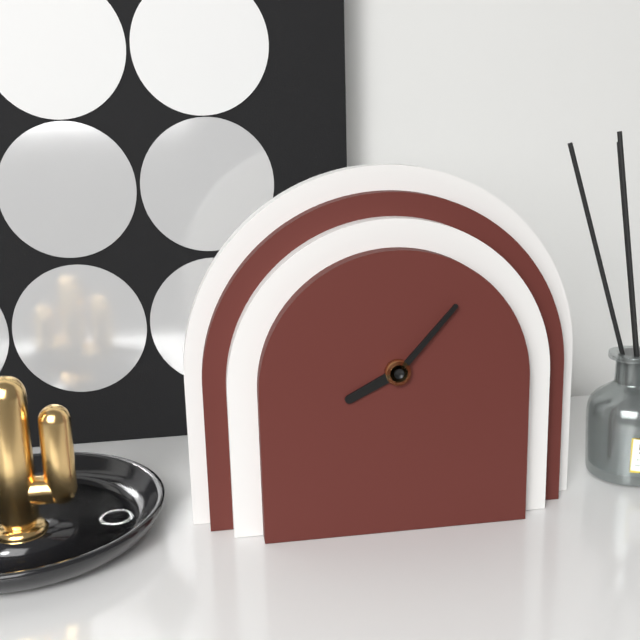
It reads 8h07
